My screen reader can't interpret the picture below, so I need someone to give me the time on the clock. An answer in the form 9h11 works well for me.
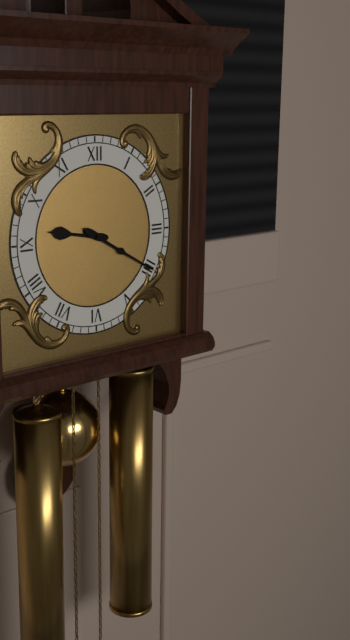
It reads 9h20
